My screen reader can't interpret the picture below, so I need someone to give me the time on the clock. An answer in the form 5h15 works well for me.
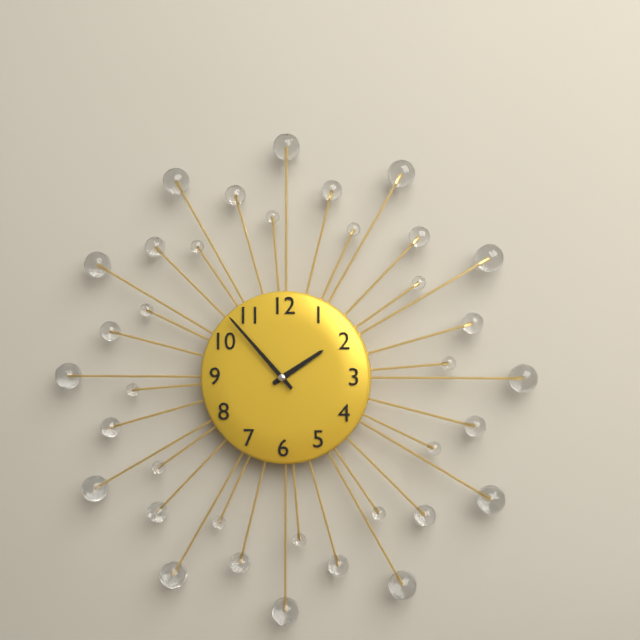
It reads 1h53
